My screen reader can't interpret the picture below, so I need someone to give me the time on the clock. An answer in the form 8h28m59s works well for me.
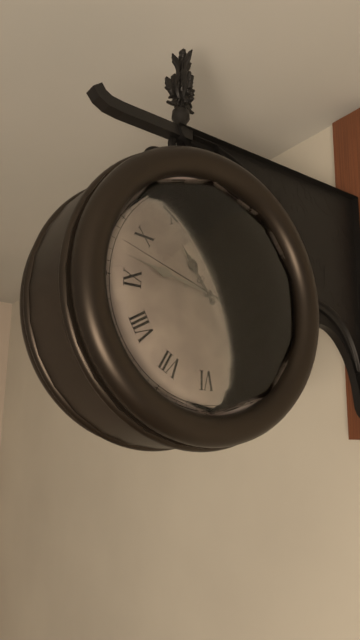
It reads 10h47m48s
